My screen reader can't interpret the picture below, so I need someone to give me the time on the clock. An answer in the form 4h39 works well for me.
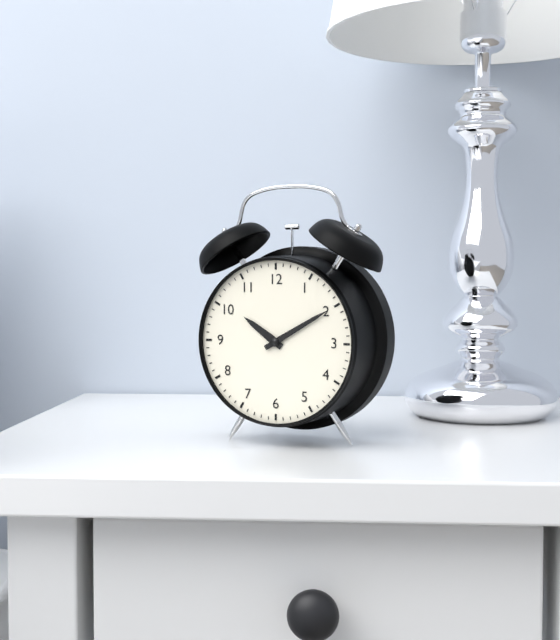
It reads 10h10
